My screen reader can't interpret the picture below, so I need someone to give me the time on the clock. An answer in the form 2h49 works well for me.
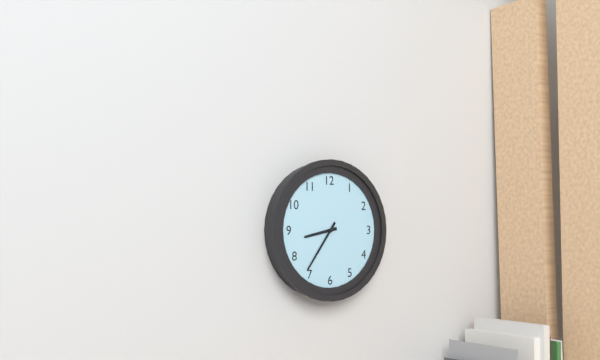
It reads 8h36
